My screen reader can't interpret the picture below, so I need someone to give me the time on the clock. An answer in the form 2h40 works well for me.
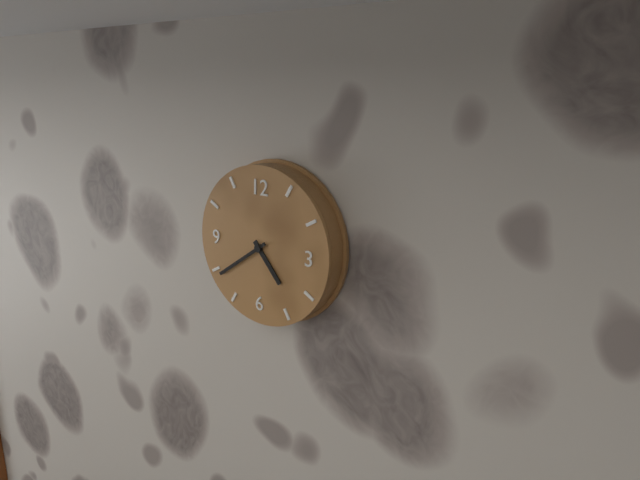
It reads 4h39
